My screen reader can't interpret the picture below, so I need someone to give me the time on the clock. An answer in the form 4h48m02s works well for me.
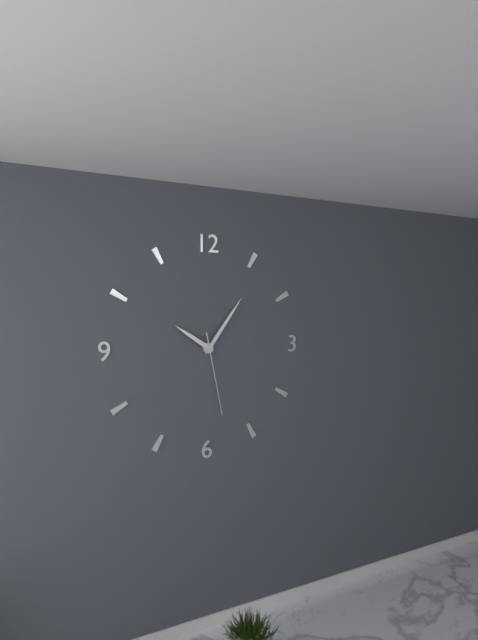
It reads 10h06m28s
